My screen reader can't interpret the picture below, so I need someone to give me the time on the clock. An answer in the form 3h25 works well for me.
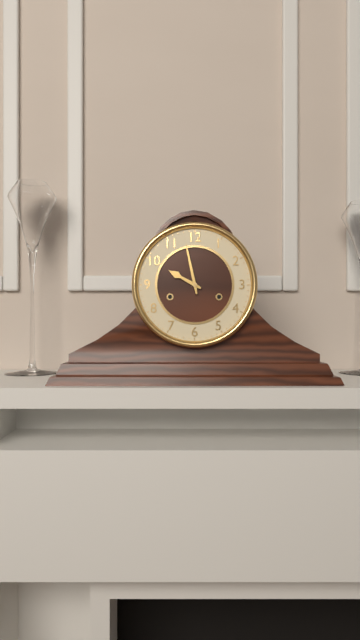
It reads 9h58
